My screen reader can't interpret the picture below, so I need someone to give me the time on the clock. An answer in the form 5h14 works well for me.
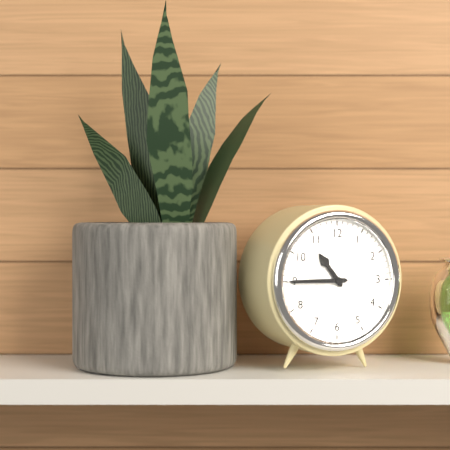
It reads 10h45
